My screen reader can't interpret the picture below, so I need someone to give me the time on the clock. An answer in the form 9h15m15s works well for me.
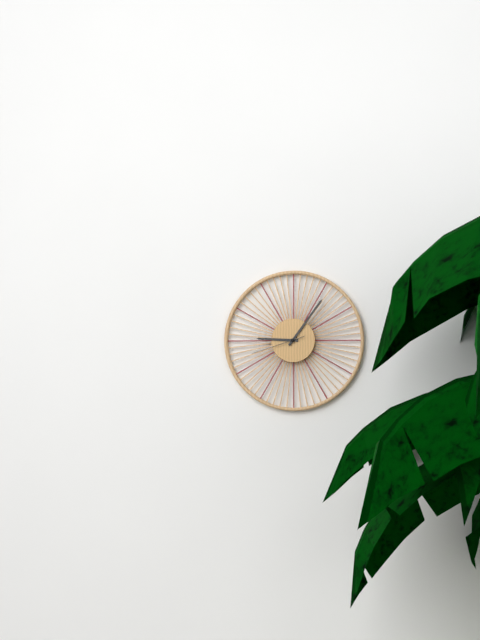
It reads 9h06m42s
